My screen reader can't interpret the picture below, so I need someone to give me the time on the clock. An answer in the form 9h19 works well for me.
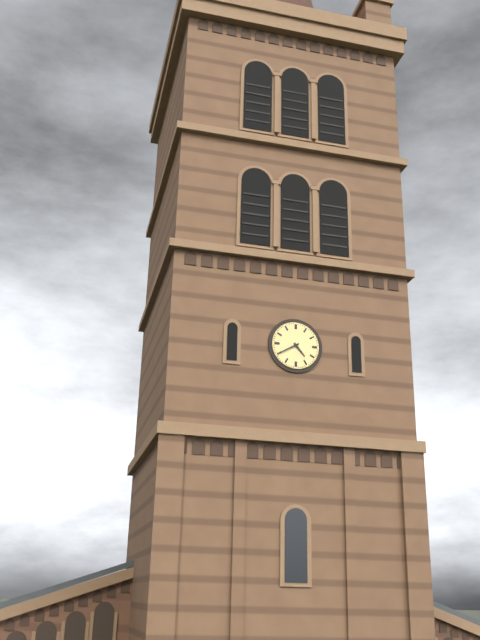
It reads 4h40
